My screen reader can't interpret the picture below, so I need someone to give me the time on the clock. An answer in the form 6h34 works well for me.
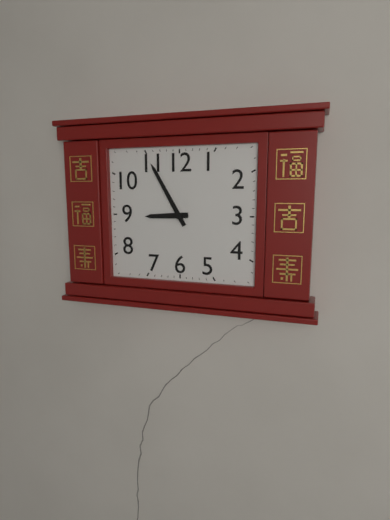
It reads 8h55
